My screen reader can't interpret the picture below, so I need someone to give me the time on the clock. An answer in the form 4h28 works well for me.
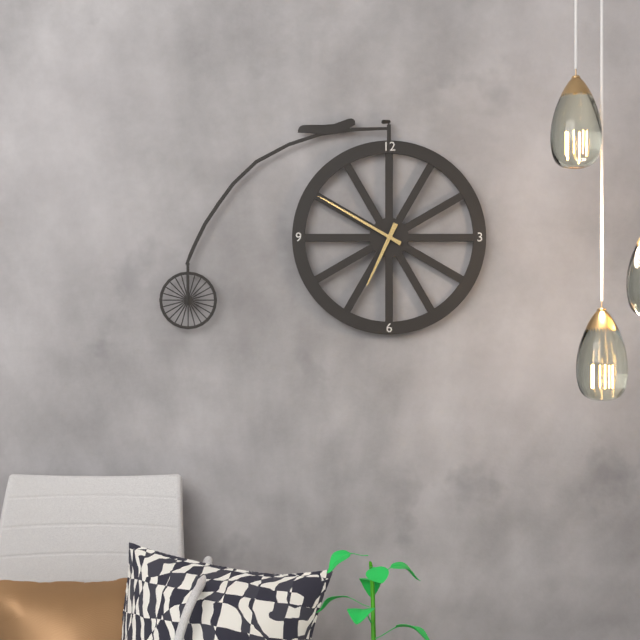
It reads 6h50
